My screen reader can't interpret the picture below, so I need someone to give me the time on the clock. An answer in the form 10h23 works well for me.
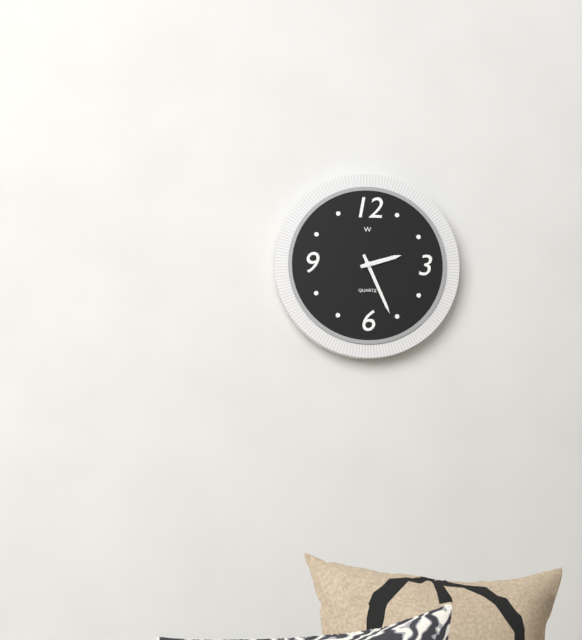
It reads 2h26
